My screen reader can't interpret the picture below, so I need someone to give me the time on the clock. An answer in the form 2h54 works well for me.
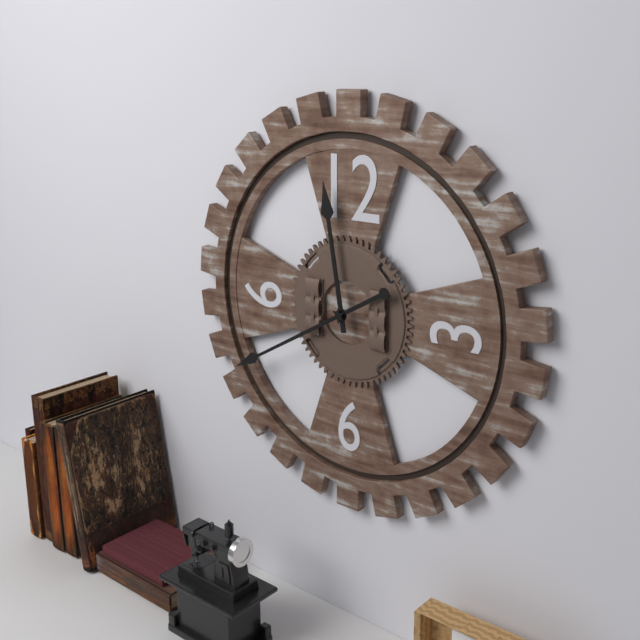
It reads 11h40
